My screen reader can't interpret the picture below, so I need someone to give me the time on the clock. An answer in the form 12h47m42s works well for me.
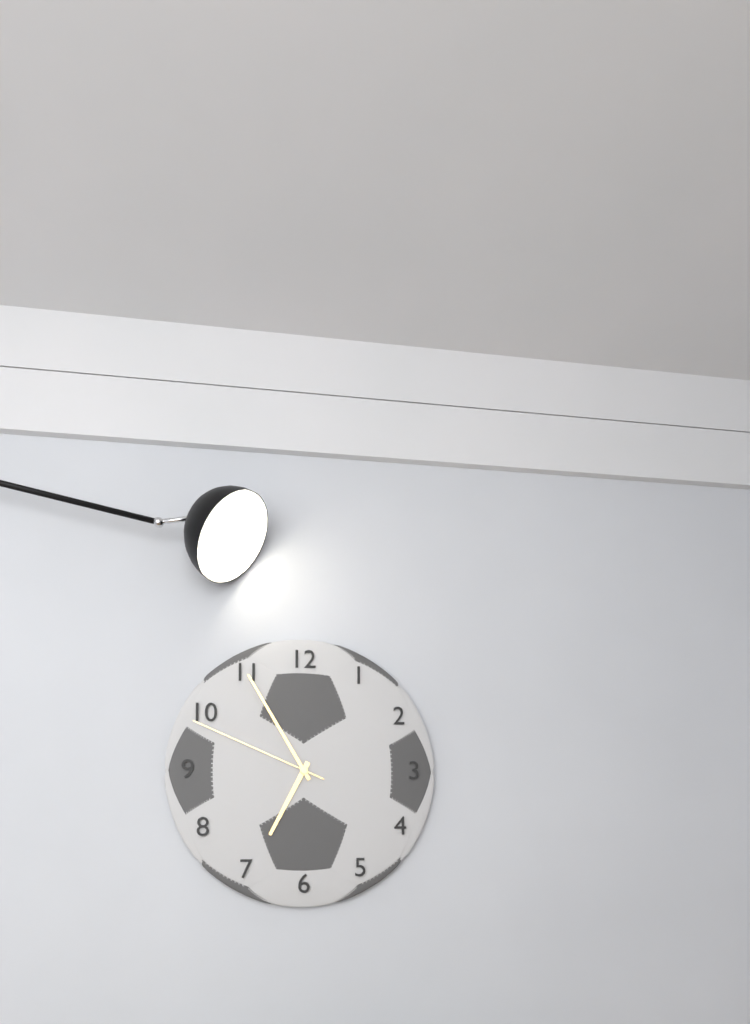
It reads 6h55m49s
